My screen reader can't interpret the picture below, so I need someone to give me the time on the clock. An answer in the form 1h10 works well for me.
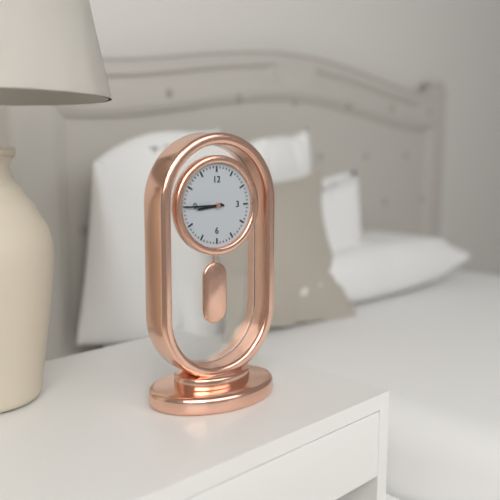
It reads 8h45
